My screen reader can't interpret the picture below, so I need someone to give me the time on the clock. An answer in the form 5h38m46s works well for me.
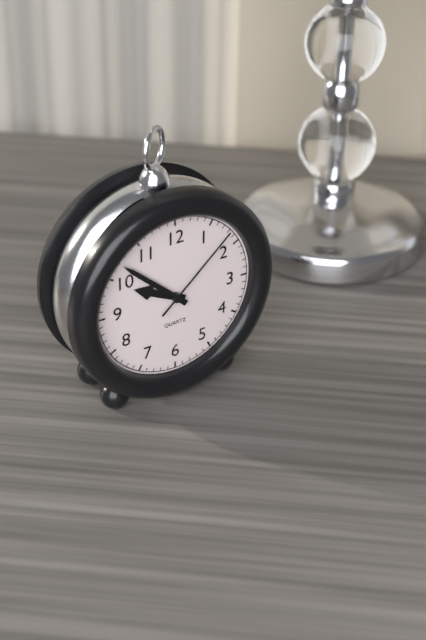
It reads 9h52m08s
